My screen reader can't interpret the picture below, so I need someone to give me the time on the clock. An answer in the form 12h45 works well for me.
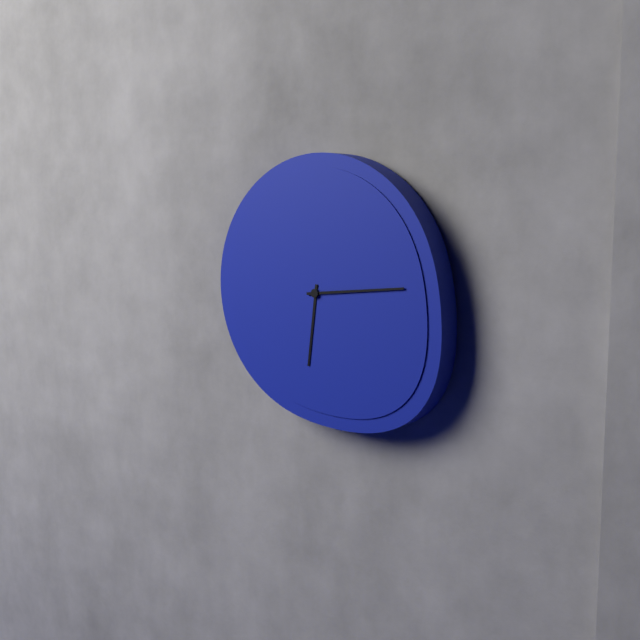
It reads 6h14
